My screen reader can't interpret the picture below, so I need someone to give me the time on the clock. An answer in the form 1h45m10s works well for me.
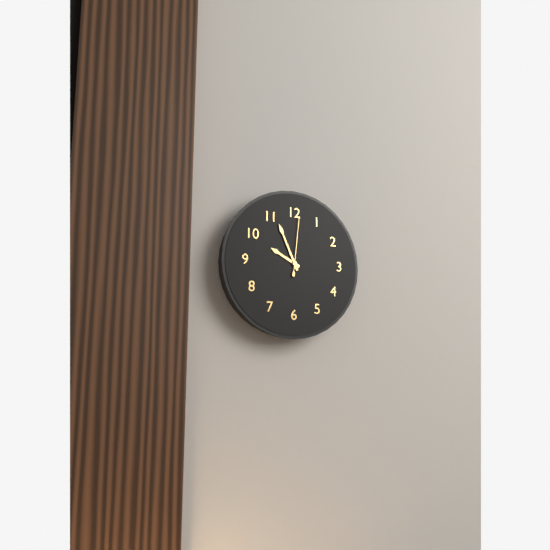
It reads 9h56m01s
